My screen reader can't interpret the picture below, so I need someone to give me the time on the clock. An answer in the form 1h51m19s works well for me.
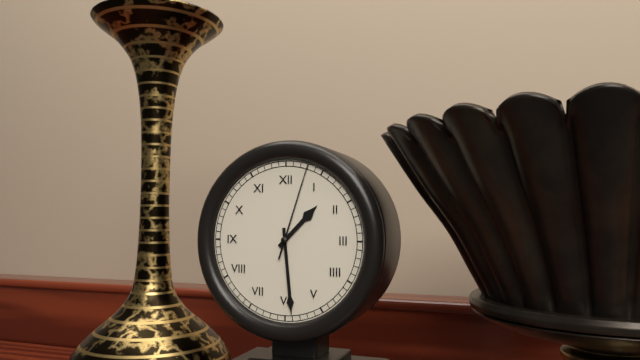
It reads 1h29m03s
